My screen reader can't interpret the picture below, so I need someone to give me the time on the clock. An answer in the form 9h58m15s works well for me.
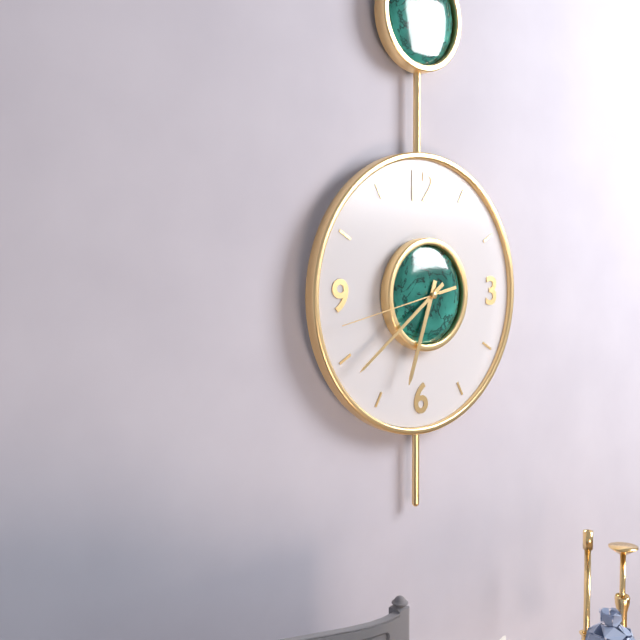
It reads 6h39m43s
